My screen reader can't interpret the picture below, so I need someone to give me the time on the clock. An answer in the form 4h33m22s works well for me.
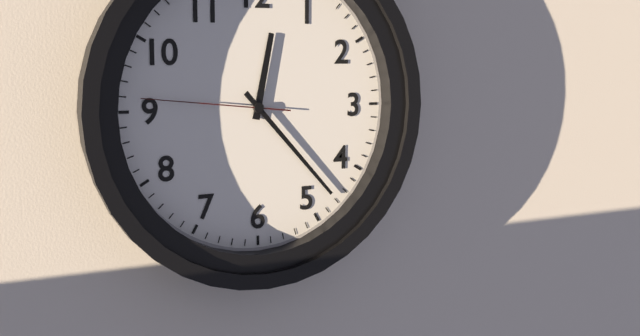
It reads 12h23m46s
